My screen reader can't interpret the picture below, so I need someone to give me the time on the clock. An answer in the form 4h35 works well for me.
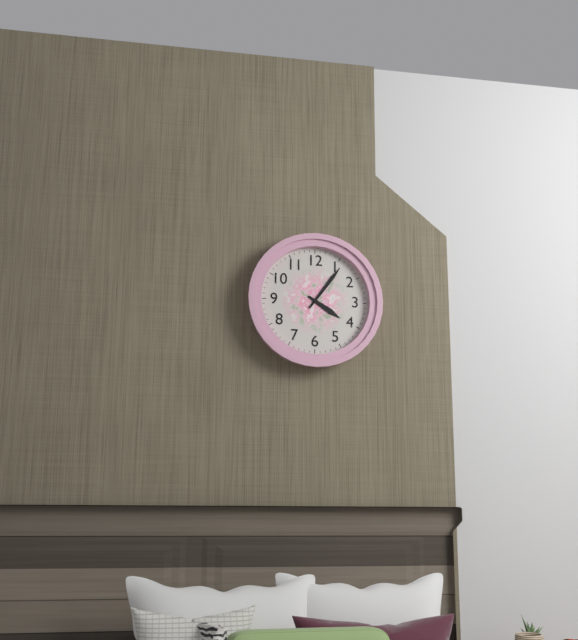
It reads 4h06
